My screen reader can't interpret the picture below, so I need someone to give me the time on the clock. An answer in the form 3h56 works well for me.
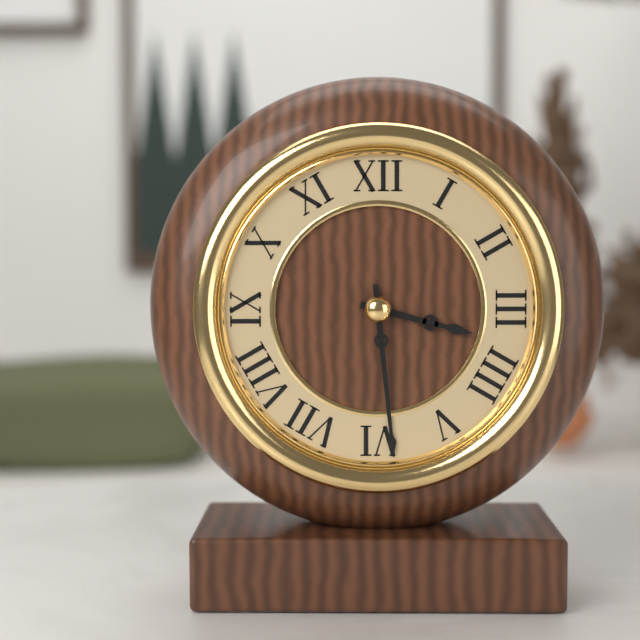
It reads 3h29
